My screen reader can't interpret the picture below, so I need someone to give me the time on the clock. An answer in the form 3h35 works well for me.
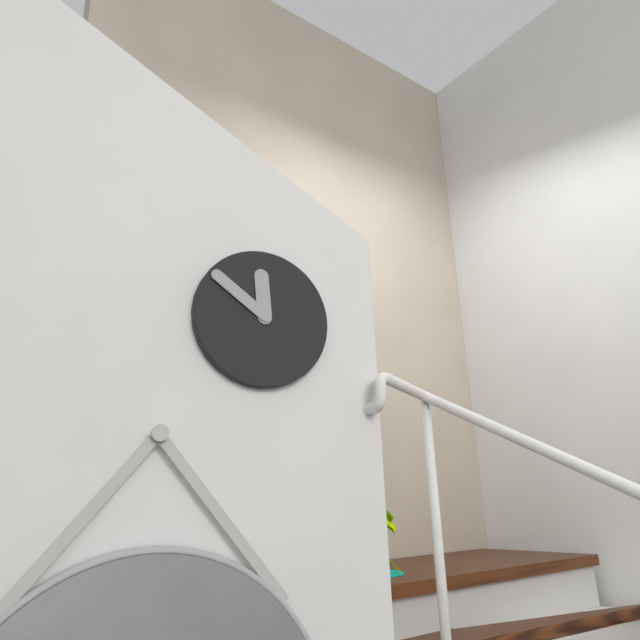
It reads 11h51
